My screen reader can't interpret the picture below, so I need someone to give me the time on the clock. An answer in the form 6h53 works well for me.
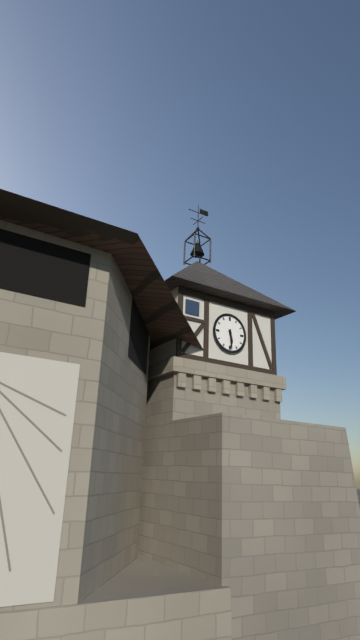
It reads 5h29
